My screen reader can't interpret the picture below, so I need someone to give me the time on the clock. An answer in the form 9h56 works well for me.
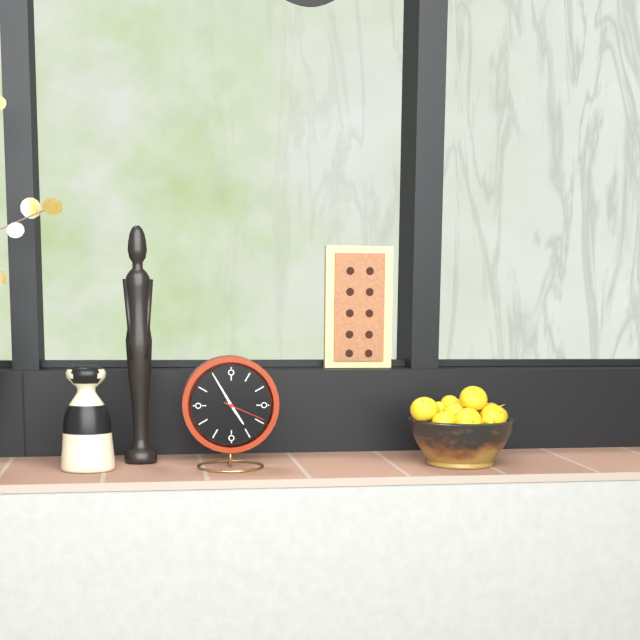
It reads 4h55
